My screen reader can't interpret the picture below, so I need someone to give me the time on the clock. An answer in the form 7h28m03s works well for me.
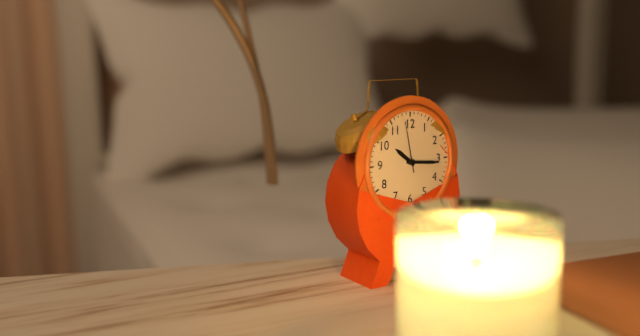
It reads 10h16m58s
